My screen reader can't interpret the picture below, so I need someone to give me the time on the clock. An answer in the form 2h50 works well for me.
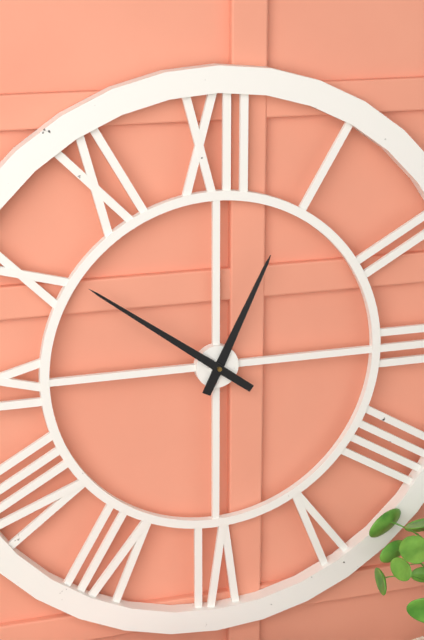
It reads 12h51
